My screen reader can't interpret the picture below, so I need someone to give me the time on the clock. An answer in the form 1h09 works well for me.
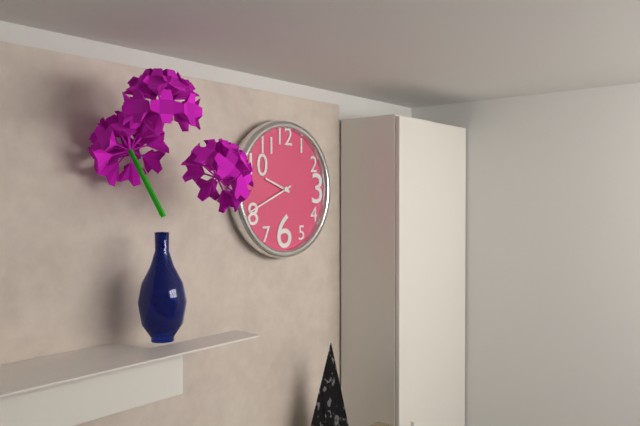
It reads 9h41
